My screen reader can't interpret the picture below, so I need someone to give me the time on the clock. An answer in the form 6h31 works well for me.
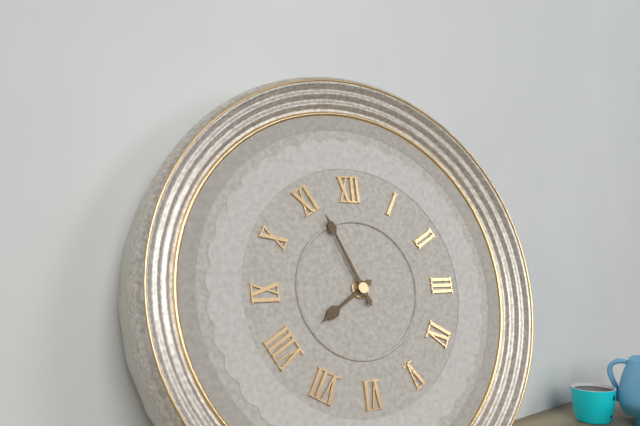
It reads 7h56
